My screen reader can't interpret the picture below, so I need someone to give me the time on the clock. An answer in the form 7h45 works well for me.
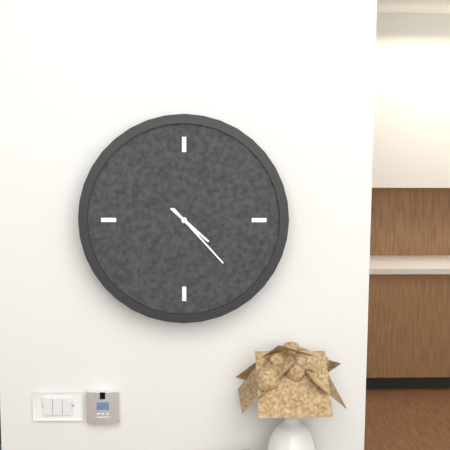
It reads 4h23
